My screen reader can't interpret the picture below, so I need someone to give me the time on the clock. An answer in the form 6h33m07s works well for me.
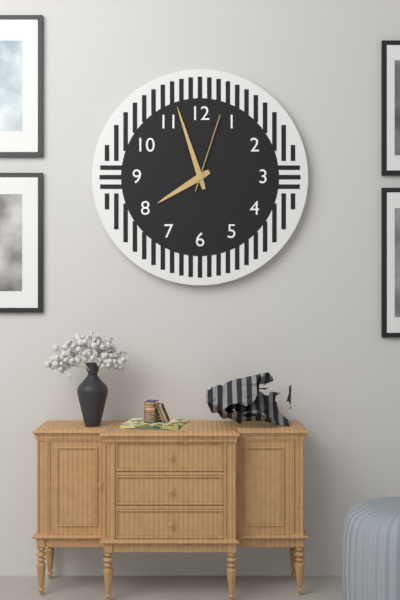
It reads 7h57m03s
